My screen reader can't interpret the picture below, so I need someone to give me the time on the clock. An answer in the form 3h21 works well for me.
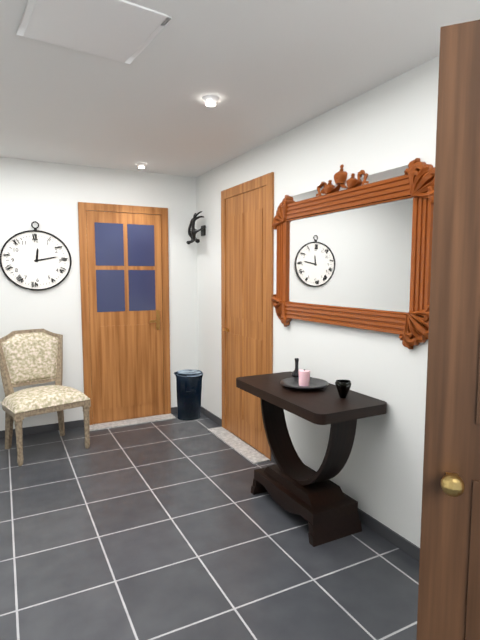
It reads 12h13
